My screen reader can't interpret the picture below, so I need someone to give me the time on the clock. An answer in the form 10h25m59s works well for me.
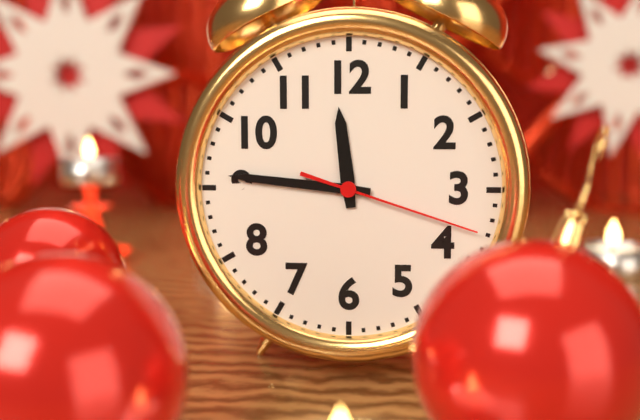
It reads 11h46m18s
